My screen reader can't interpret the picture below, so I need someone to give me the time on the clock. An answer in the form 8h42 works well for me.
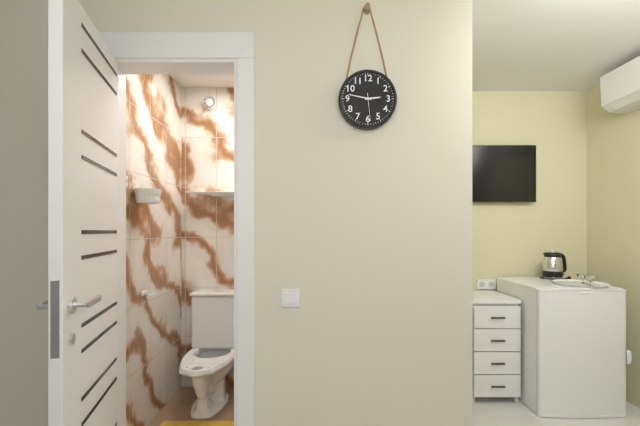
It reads 2h47
